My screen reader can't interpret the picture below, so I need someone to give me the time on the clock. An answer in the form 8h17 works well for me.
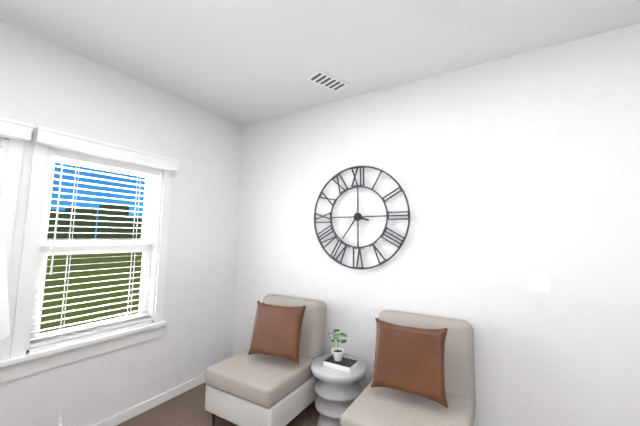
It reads 3h36
